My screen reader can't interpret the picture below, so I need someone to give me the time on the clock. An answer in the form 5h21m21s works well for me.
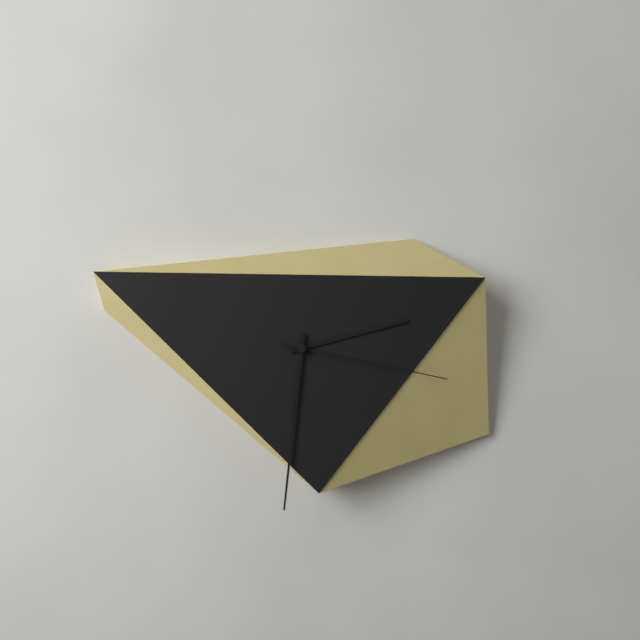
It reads 2h31m17s
